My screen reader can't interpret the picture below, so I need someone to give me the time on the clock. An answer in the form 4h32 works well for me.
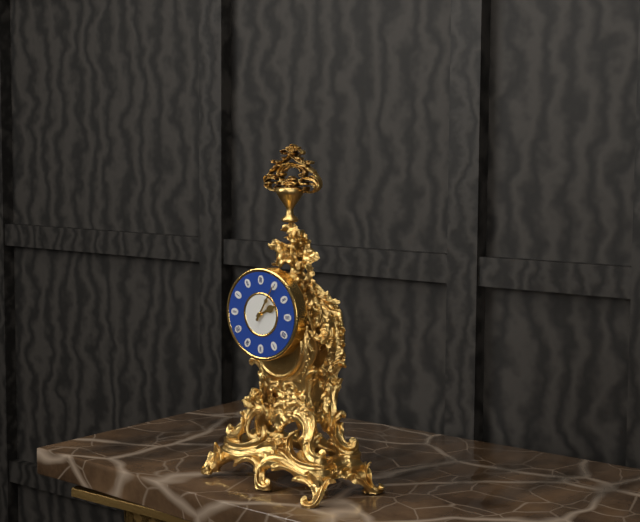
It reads 2h05
